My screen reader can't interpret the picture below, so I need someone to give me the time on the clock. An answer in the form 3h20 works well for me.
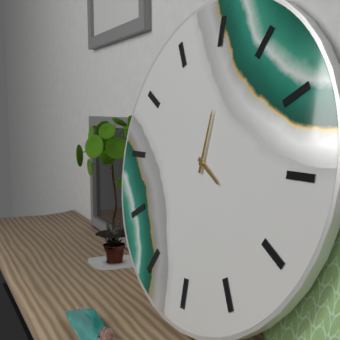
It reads 4h01
